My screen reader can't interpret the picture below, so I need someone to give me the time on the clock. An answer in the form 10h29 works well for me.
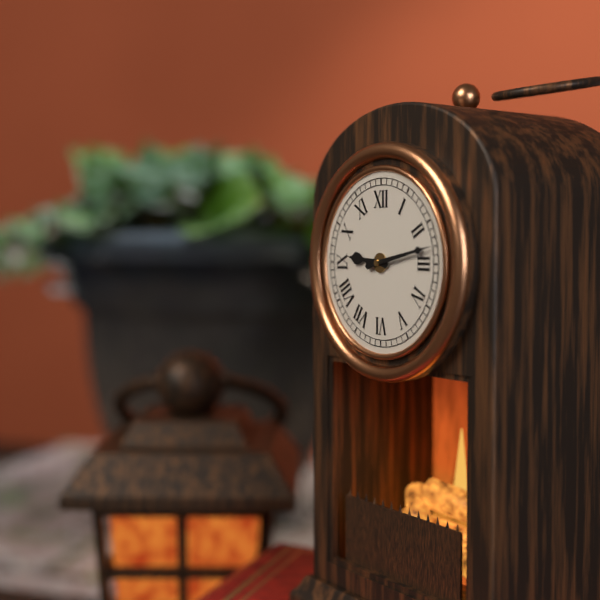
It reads 9h13
